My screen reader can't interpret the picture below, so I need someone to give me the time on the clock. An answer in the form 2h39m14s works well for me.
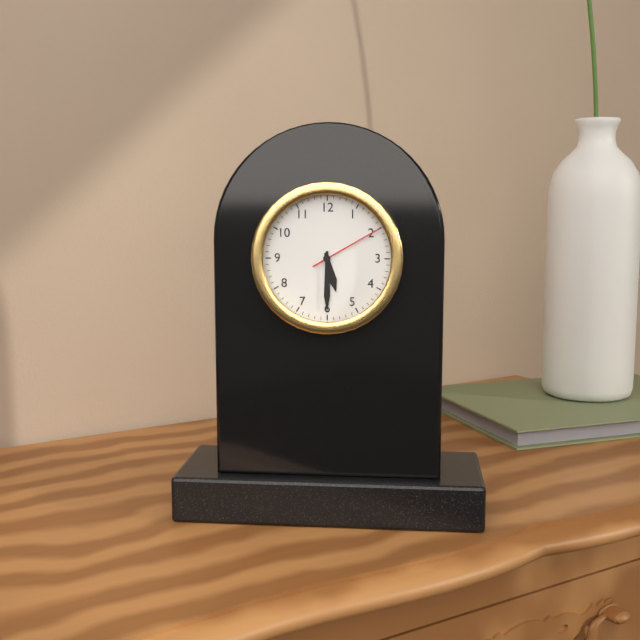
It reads 5h30m10s
